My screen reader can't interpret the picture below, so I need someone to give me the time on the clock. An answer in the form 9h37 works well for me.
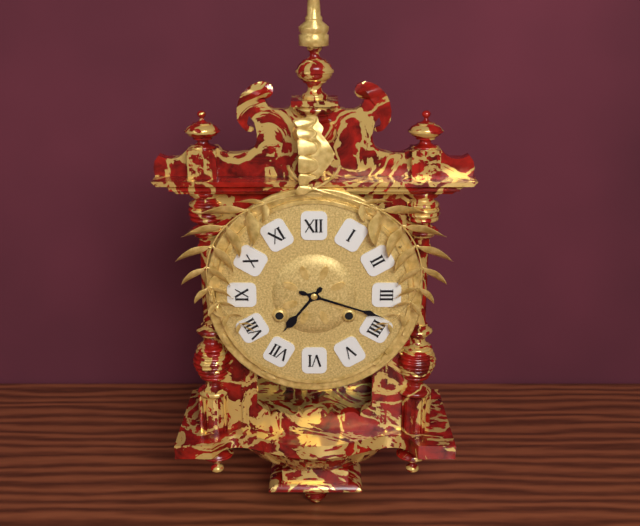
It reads 7h18
